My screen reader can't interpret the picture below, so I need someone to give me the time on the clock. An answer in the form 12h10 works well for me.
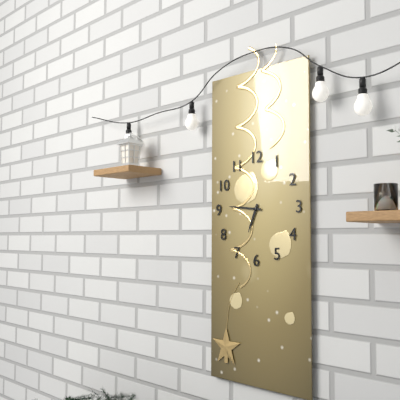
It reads 6h46
